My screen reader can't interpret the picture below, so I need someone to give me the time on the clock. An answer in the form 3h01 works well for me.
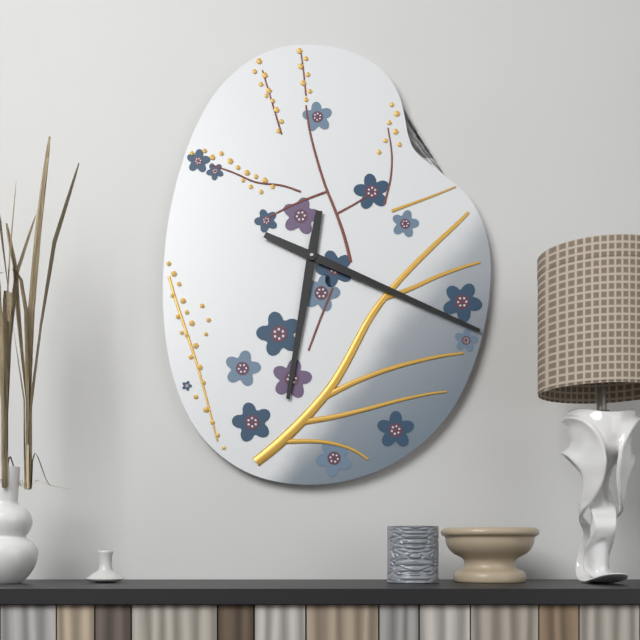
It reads 6h19
